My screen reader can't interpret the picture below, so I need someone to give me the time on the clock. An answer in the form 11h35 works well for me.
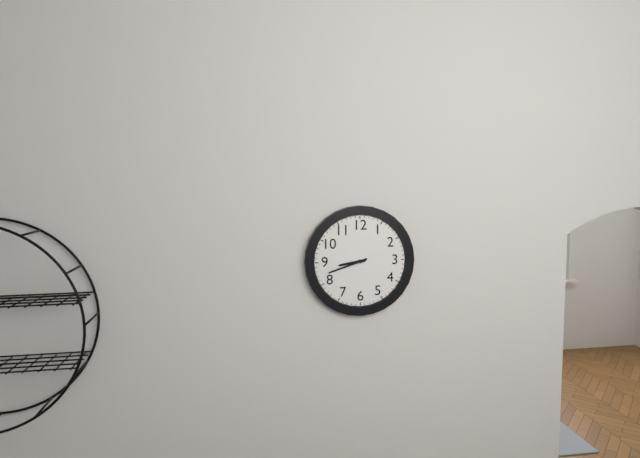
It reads 8h42
